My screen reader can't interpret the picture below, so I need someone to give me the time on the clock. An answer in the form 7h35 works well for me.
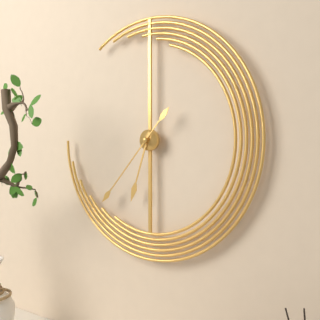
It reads 6h37
